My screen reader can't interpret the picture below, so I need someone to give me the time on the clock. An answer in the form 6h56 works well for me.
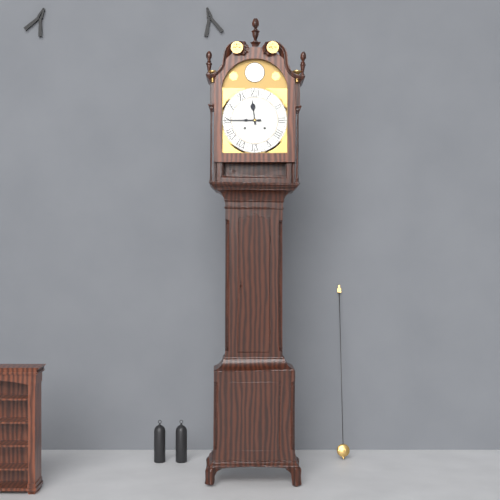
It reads 11h45
